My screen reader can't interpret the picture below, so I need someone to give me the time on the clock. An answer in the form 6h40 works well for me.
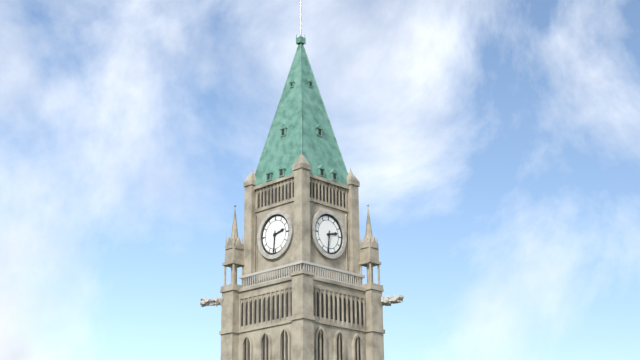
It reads 2h31
